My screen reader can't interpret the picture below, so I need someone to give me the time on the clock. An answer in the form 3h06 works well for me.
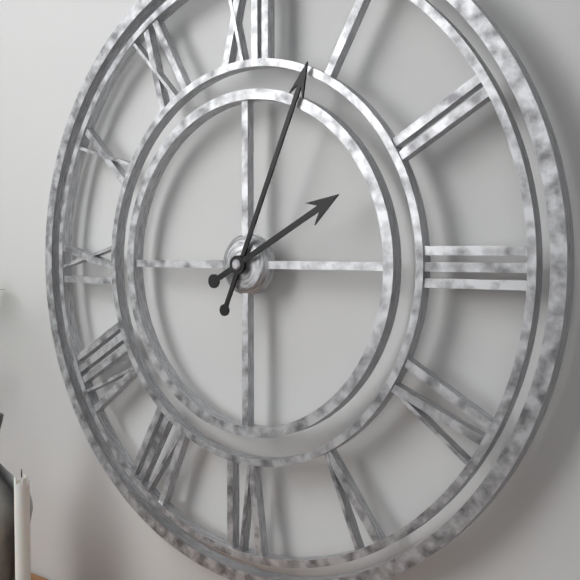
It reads 2h04
